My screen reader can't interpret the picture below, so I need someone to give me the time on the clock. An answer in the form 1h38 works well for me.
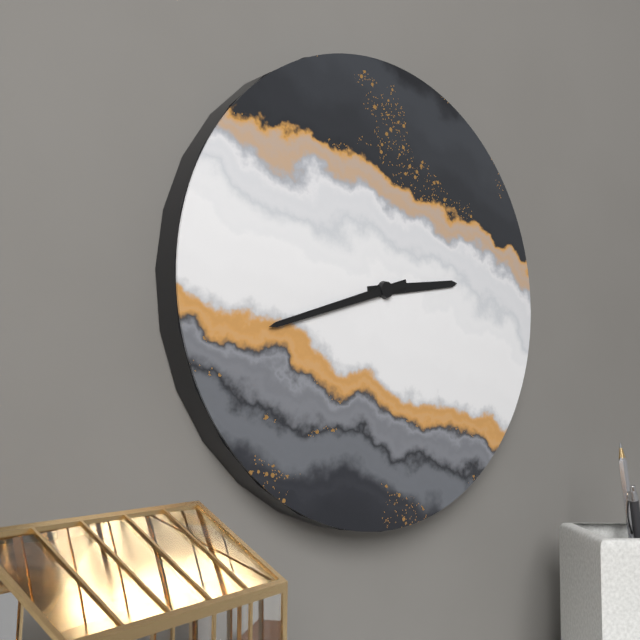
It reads 2h42
